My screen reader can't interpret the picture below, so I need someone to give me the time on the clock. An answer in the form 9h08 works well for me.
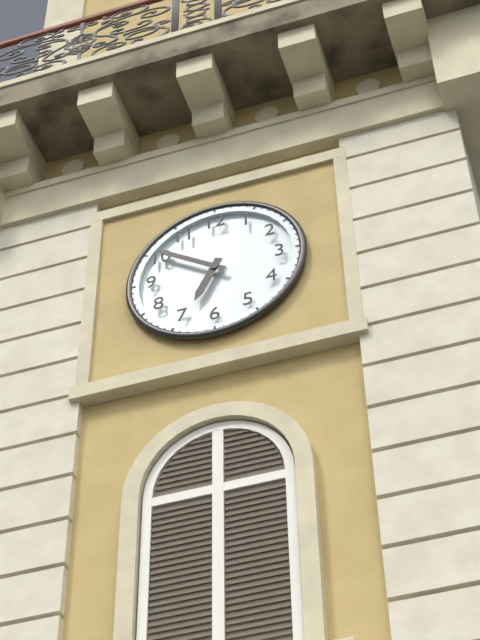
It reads 6h51
